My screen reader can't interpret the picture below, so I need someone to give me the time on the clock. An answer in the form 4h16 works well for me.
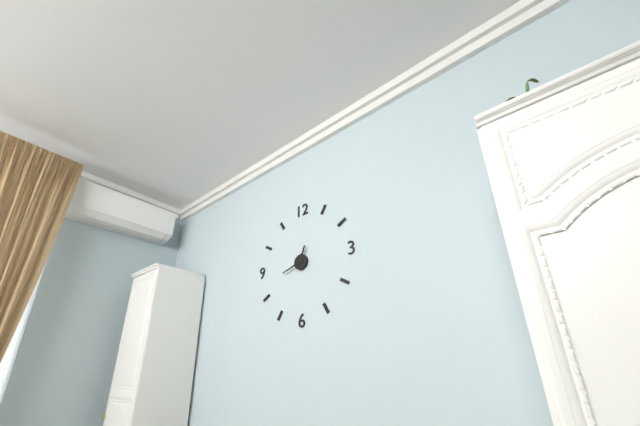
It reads 12h42
